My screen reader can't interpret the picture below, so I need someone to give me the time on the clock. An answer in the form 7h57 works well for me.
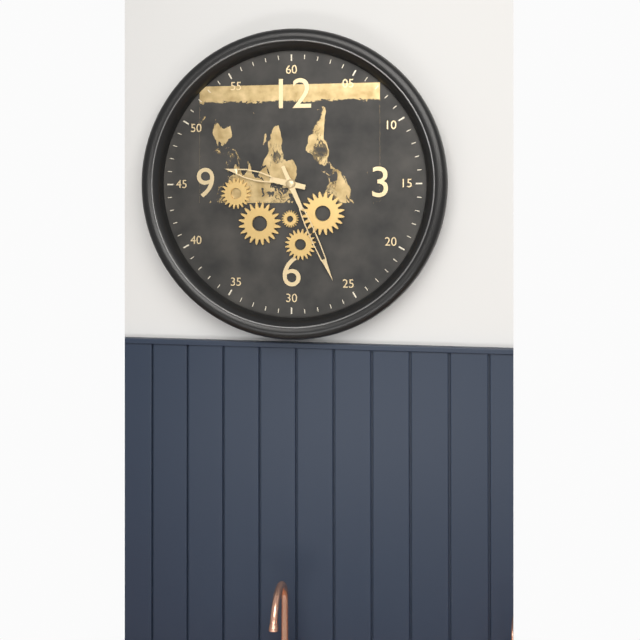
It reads 9h26
